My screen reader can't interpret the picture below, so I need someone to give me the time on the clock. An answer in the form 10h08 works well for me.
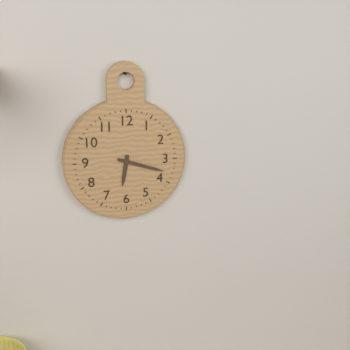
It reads 6h18
